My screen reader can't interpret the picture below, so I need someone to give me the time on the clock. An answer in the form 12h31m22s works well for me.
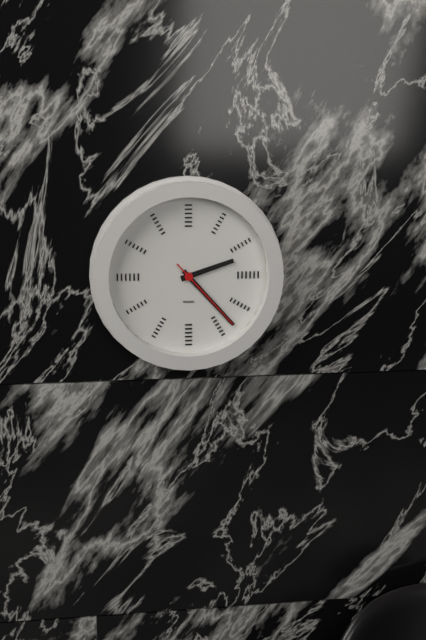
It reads 2h23m23s
